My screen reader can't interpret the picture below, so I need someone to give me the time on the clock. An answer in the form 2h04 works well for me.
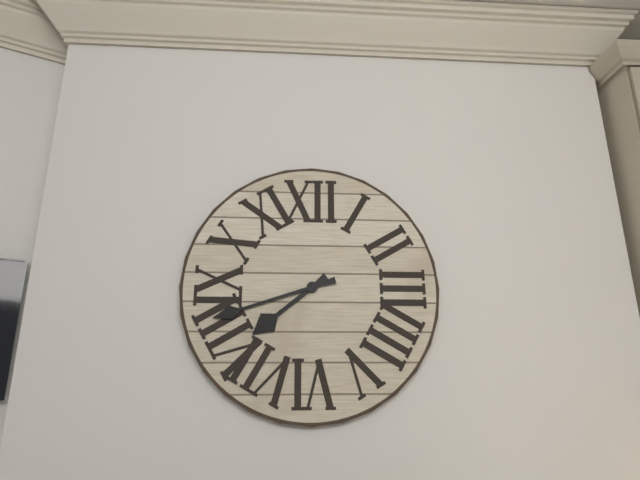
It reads 7h42
